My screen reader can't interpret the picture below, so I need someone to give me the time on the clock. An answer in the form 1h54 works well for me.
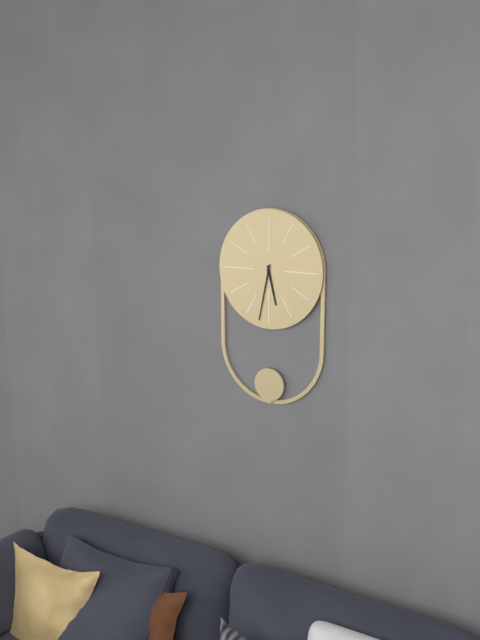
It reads 5h32
